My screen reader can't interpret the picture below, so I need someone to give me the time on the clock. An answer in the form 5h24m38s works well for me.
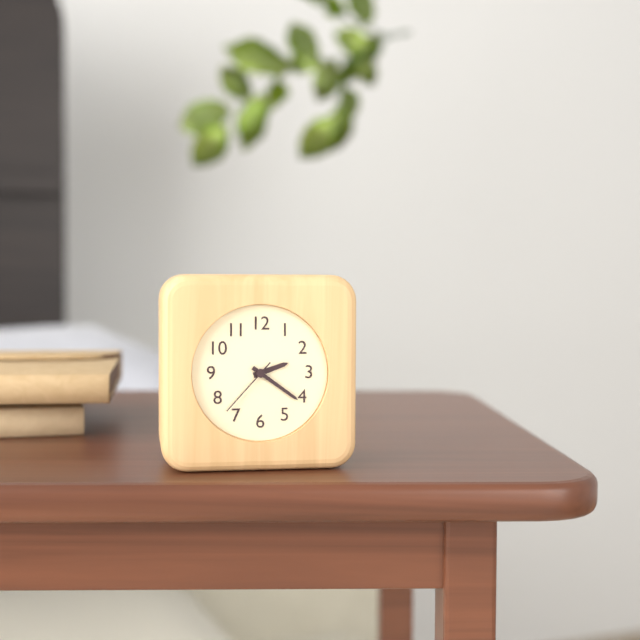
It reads 2h21m37s
